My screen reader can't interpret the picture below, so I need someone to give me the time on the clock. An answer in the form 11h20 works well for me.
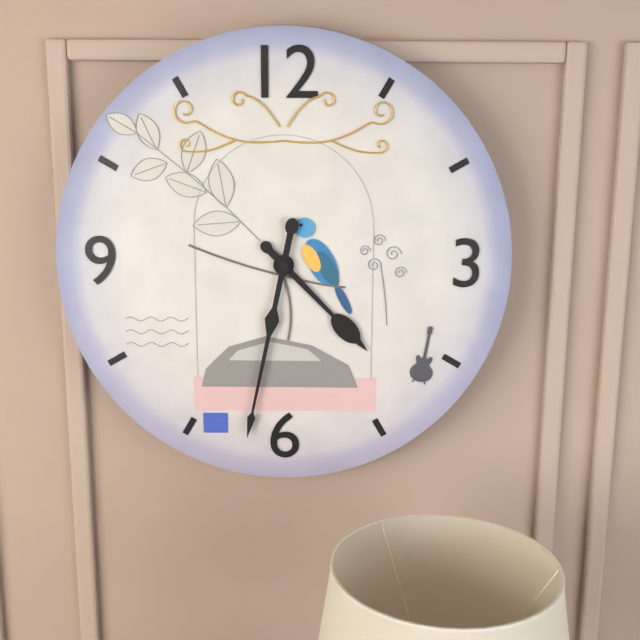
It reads 4h32
